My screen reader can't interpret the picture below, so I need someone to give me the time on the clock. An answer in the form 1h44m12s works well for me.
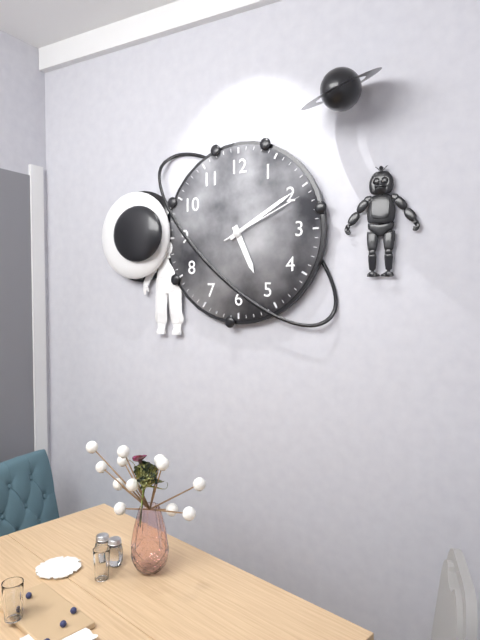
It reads 5h10m11s
